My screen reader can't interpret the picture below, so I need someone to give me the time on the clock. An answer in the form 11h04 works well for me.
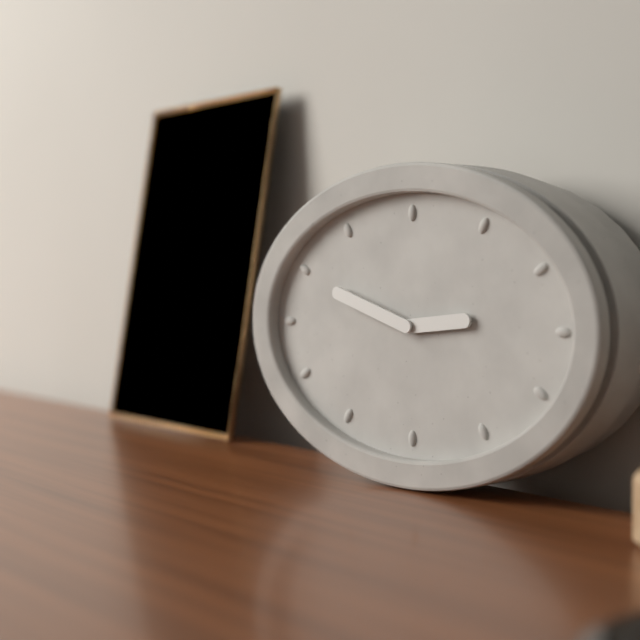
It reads 2h48
